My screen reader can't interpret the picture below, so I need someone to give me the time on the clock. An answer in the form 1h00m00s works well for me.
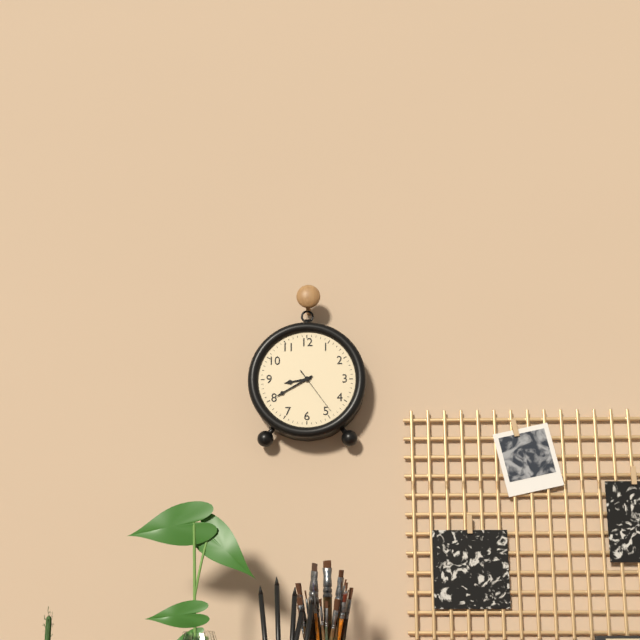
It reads 8h40m24s
